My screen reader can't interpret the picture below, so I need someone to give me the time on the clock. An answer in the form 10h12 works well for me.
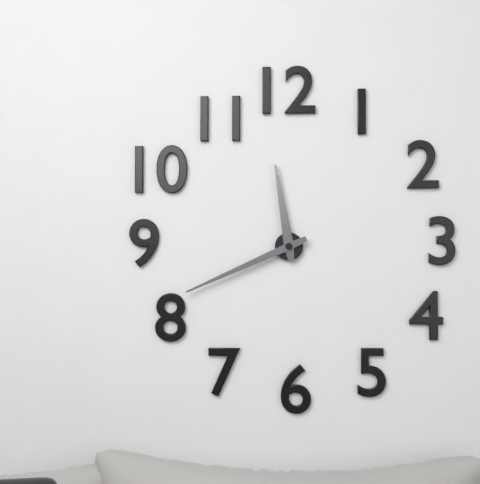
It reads 11h41
